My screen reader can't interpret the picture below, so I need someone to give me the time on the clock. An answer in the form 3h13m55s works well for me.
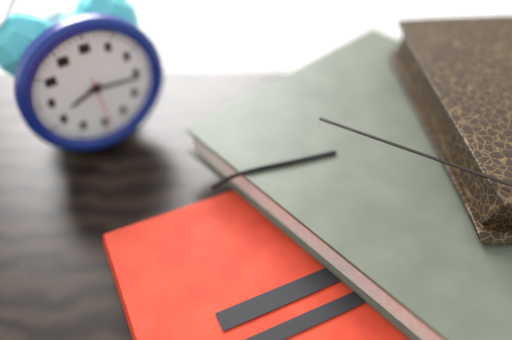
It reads 8h16m29s
